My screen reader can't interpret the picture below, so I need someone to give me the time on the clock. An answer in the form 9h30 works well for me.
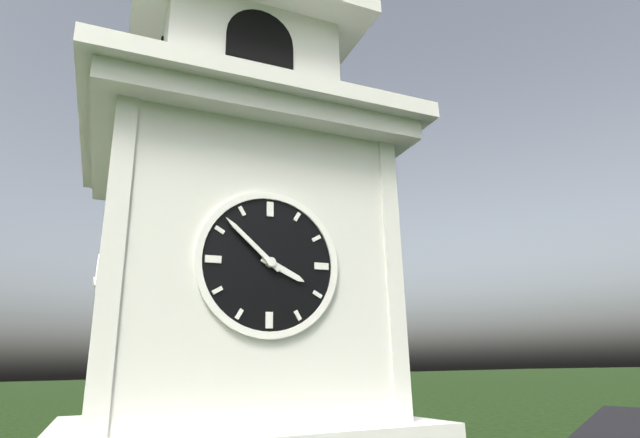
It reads 3h52
